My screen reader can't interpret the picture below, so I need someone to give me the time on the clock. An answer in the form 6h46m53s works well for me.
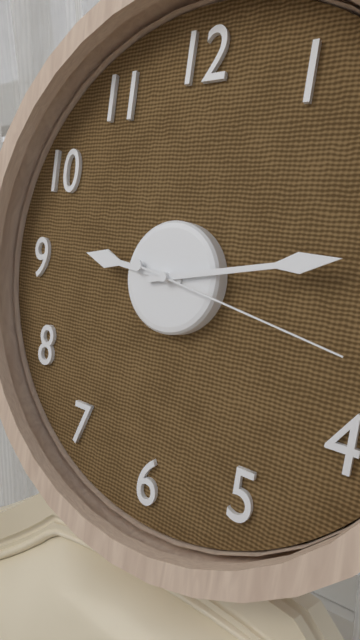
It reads 9h13m17s
